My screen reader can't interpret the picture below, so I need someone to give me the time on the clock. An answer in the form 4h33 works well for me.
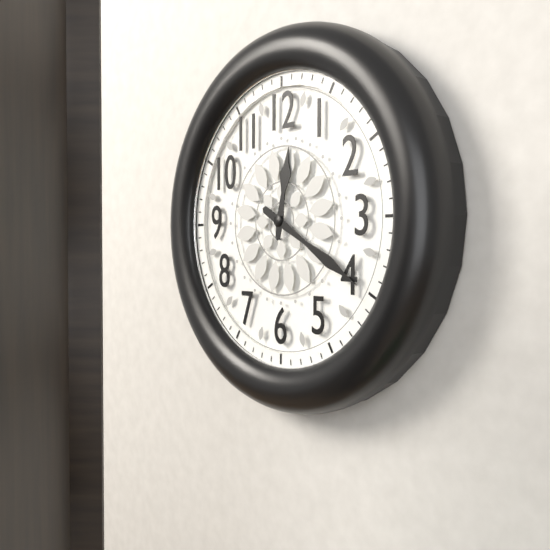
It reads 12h20
